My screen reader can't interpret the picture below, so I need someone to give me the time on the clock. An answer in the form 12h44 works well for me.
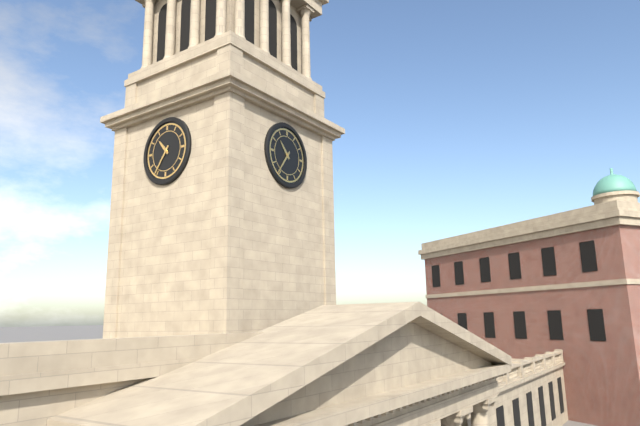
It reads 10h36
